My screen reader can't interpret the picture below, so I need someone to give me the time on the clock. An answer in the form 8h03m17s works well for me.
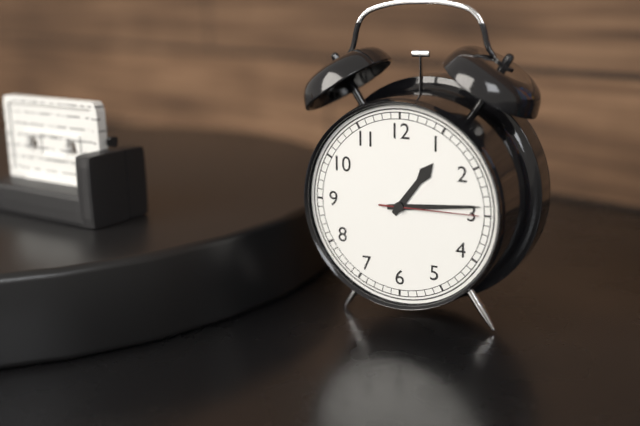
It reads 1h14m15s
